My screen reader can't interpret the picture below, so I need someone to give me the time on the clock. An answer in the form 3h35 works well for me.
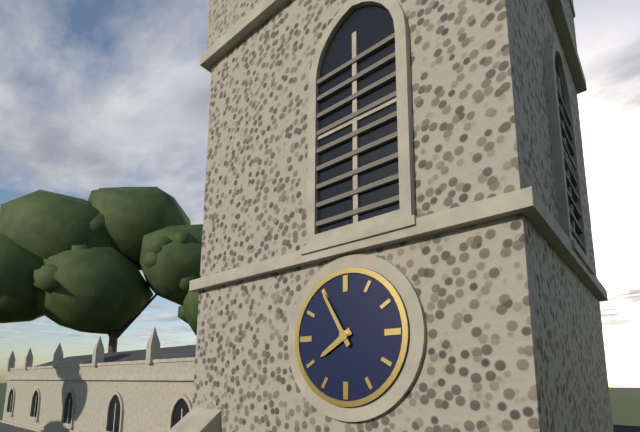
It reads 7h55
